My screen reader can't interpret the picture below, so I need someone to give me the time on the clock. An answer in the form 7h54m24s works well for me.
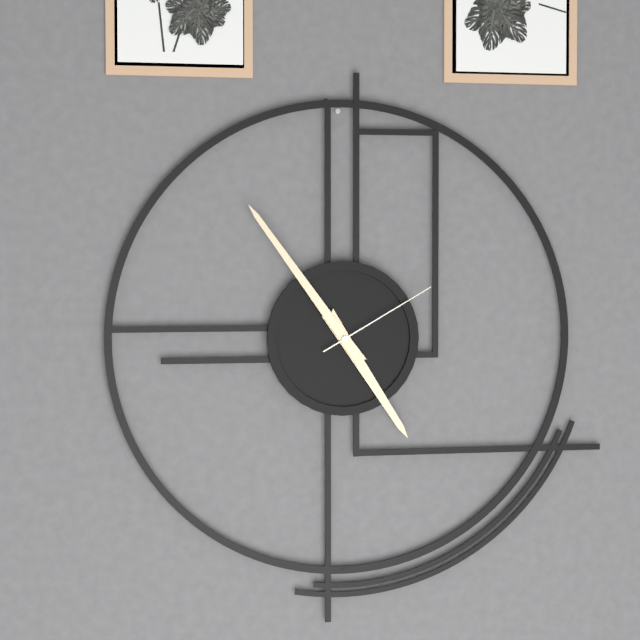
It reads 4h54m10s
